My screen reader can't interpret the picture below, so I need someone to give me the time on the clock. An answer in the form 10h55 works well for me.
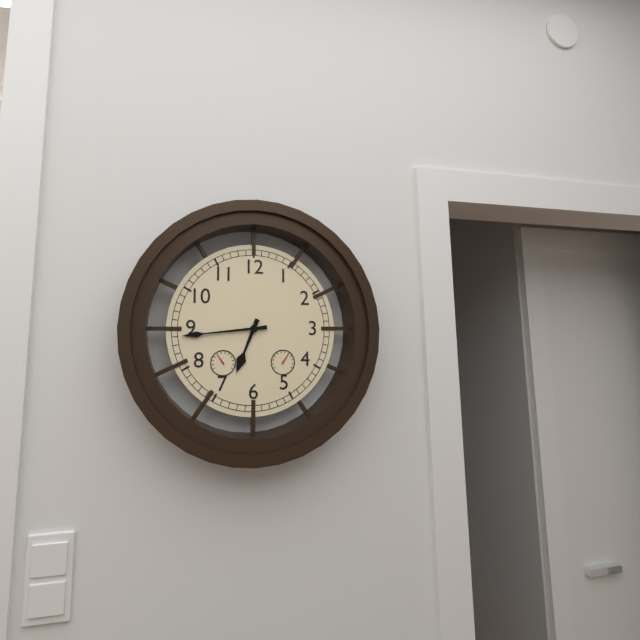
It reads 6h44
